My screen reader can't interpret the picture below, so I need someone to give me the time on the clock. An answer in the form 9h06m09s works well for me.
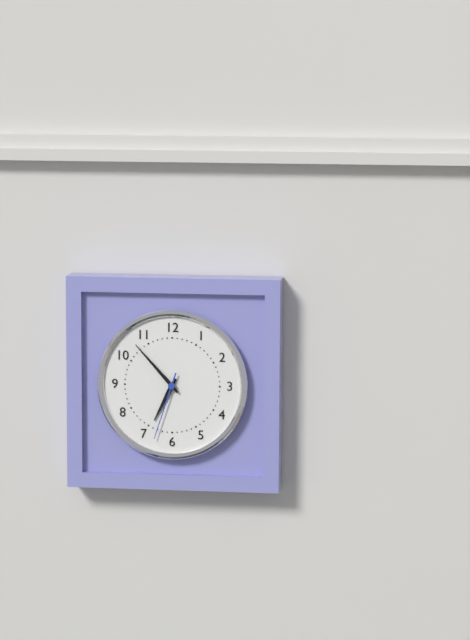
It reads 6h53m33s
